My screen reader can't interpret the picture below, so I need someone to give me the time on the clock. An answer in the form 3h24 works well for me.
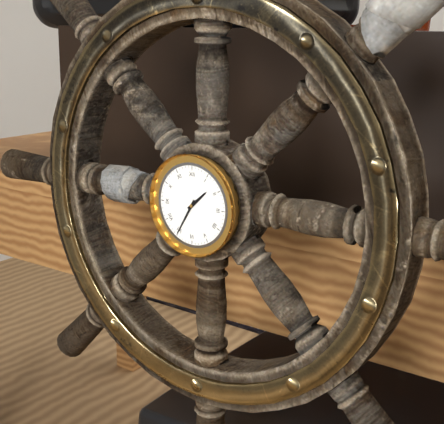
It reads 1h35
